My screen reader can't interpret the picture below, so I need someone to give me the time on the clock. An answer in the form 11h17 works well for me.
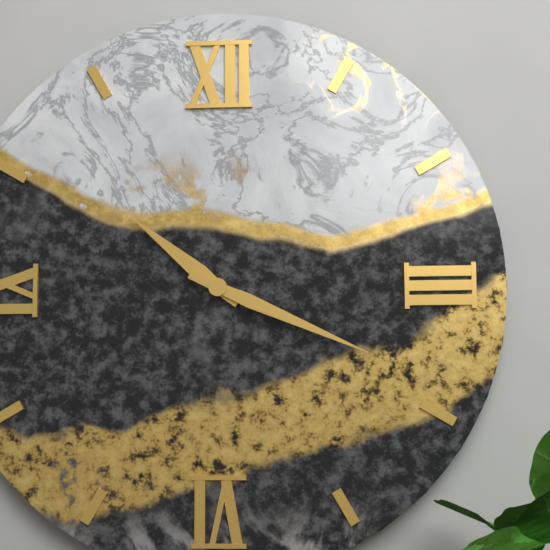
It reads 10h19
